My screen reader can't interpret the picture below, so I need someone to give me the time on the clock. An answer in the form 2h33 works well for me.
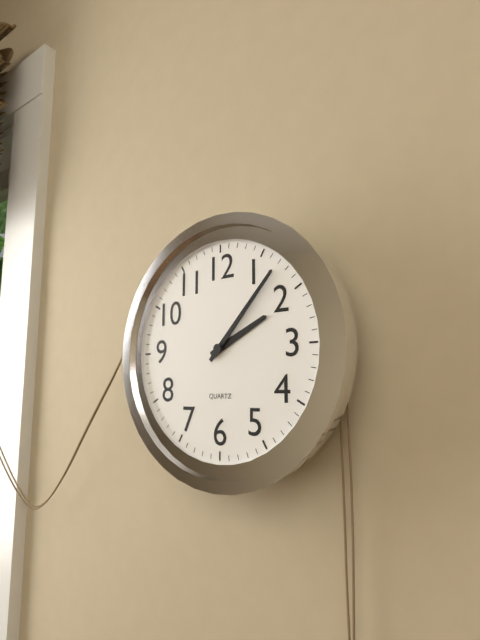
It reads 2h07
